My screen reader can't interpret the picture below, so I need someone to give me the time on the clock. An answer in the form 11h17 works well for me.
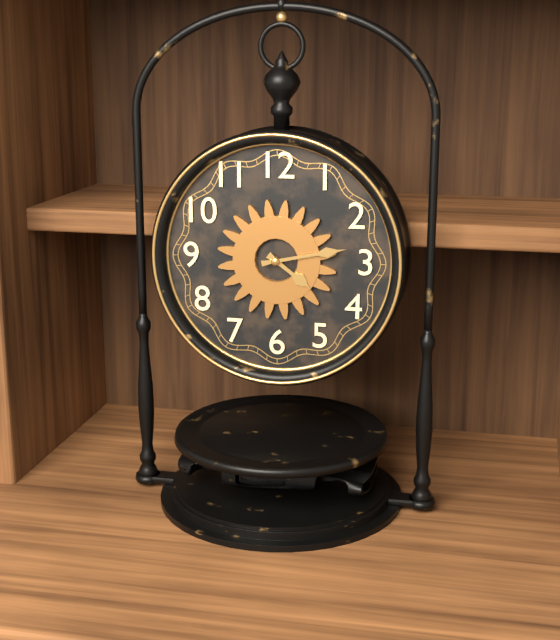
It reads 4h13
